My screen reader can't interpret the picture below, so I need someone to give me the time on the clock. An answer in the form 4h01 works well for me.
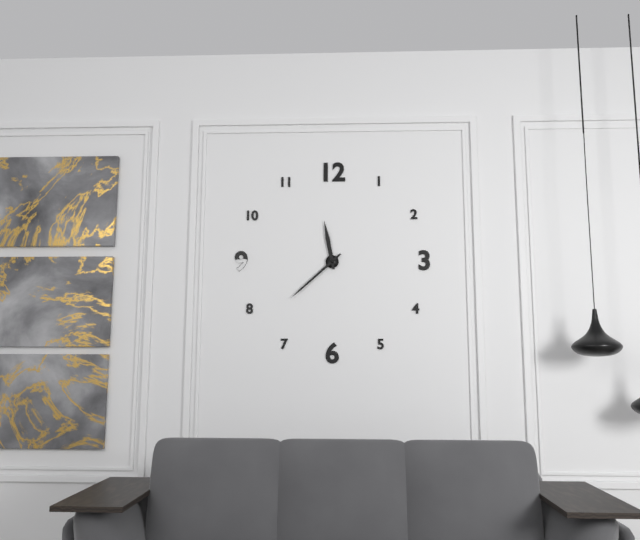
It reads 11h38
